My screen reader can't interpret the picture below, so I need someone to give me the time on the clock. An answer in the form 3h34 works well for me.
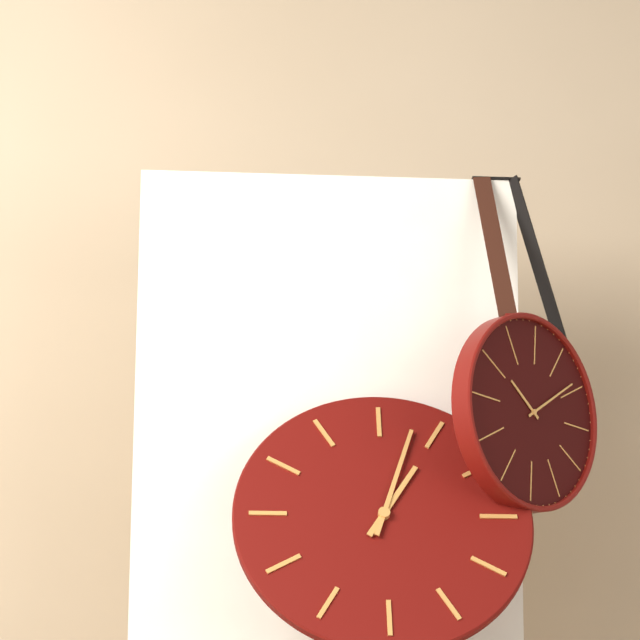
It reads 1h03
